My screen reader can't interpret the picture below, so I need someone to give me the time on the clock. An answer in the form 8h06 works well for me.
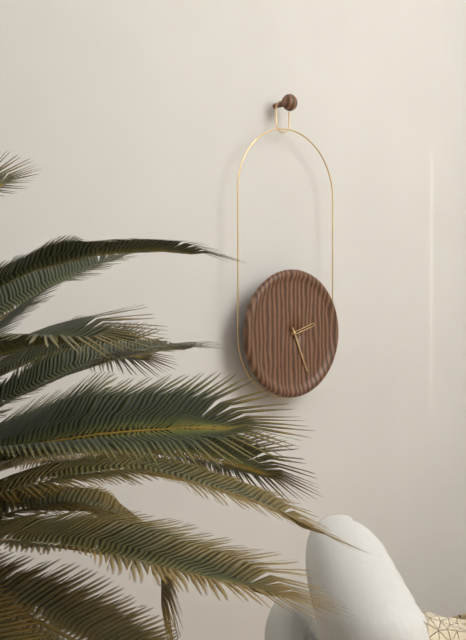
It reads 2h26
